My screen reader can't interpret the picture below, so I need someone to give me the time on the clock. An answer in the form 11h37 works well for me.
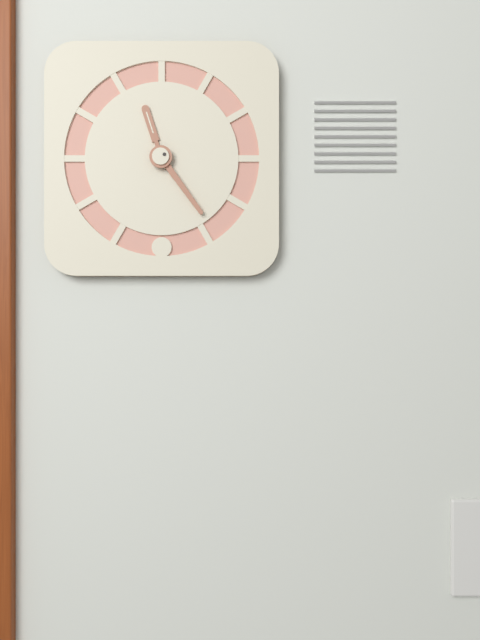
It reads 11h24
